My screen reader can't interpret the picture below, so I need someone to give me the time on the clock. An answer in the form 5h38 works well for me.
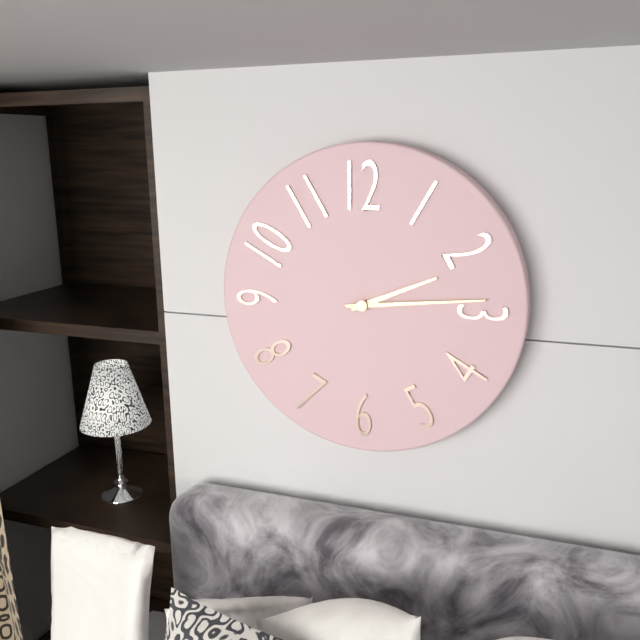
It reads 2h14
